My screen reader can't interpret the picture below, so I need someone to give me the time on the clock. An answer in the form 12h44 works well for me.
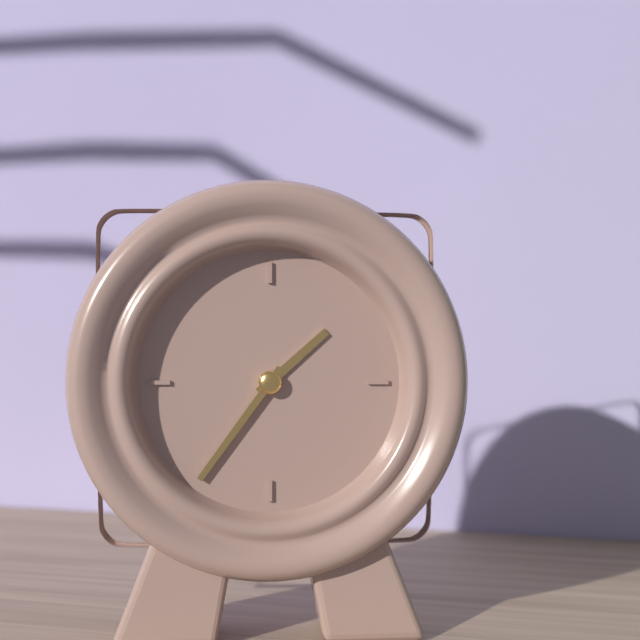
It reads 1h36
